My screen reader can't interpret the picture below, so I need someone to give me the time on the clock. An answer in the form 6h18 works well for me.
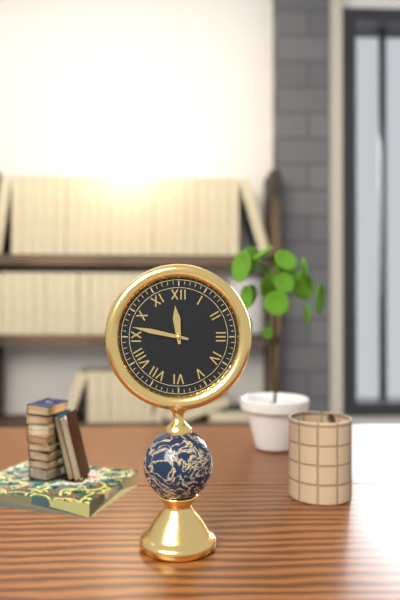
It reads 11h47
